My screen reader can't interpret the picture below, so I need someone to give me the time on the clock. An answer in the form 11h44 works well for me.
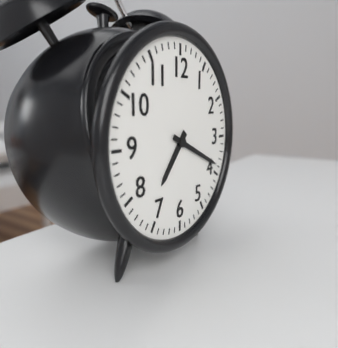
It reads 7h19
